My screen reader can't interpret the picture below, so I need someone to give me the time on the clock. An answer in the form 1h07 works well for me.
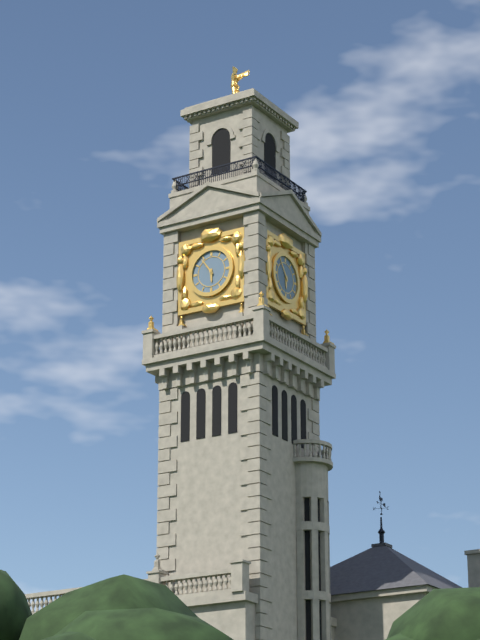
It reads 5h54
